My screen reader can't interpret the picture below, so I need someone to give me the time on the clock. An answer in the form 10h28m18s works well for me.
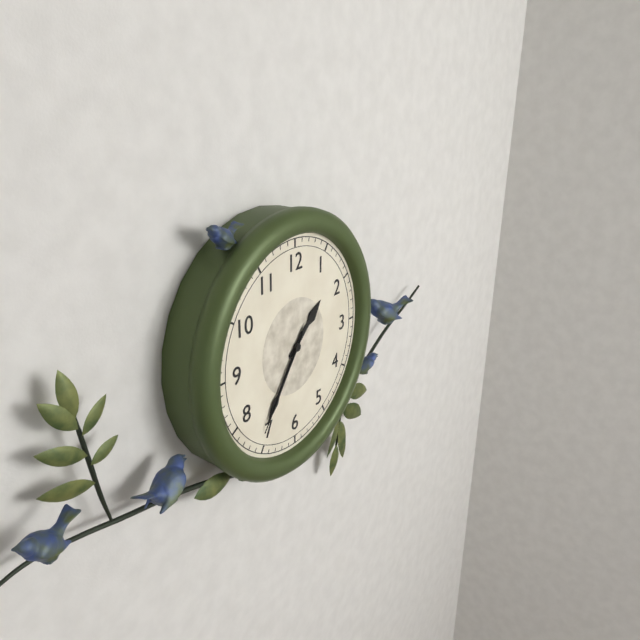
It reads 1h36m36s
